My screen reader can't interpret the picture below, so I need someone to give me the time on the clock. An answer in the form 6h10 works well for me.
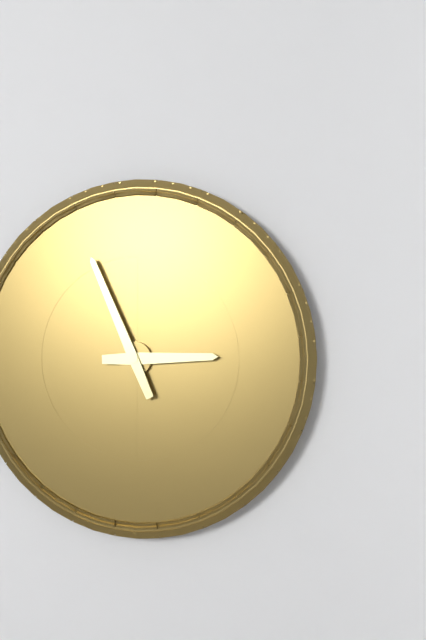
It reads 2h56
